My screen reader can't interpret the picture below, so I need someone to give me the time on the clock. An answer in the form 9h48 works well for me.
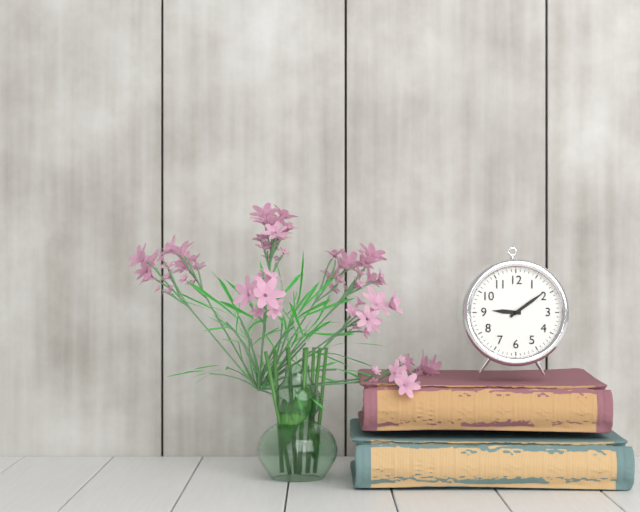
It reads 9h09
